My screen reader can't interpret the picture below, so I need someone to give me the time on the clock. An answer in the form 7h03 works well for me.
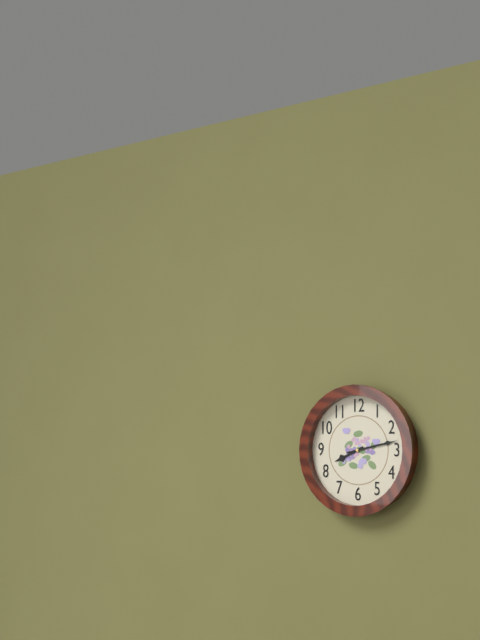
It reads 8h13
